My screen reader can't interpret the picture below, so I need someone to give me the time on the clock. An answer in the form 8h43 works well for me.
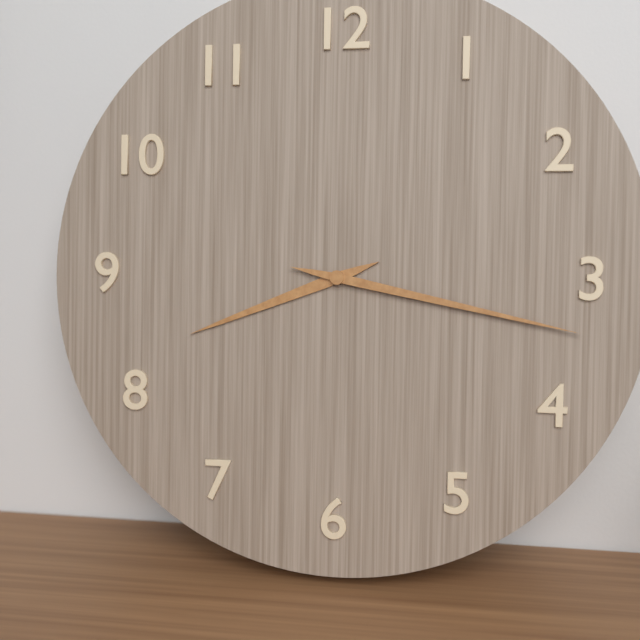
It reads 8h17
